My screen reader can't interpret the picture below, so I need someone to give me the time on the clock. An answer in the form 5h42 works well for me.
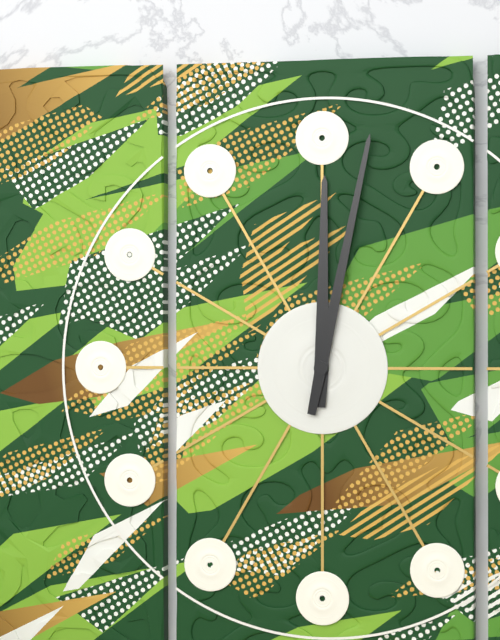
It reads 12h02
